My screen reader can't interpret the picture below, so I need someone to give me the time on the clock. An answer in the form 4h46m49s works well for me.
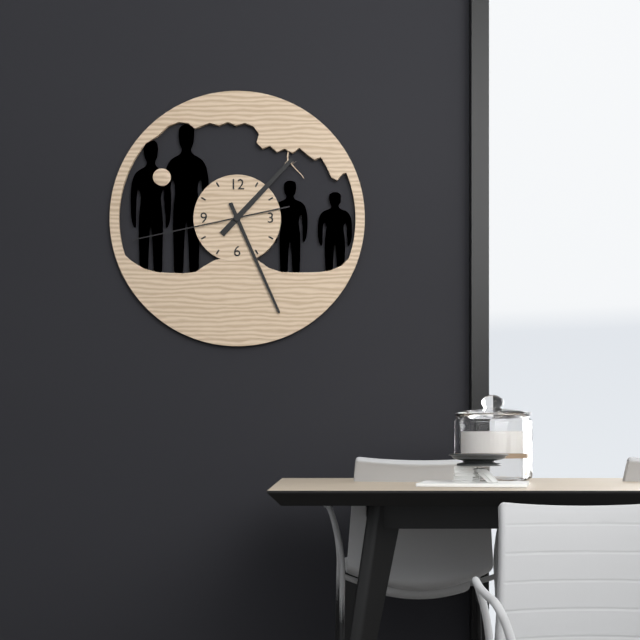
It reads 1h26m43s
